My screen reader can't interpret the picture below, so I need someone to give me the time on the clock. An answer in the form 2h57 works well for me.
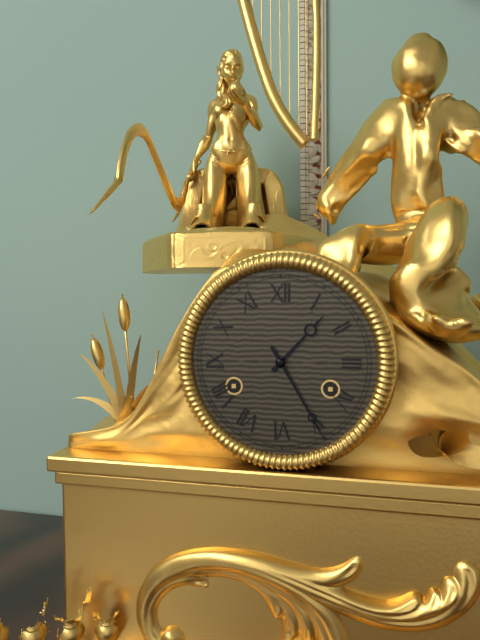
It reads 1h25
